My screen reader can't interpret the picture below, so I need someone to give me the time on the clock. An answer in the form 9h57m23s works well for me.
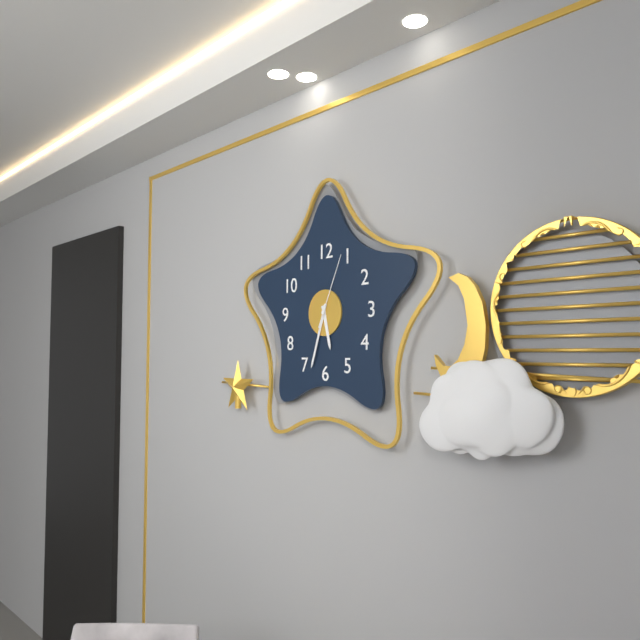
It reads 5h33m04s
